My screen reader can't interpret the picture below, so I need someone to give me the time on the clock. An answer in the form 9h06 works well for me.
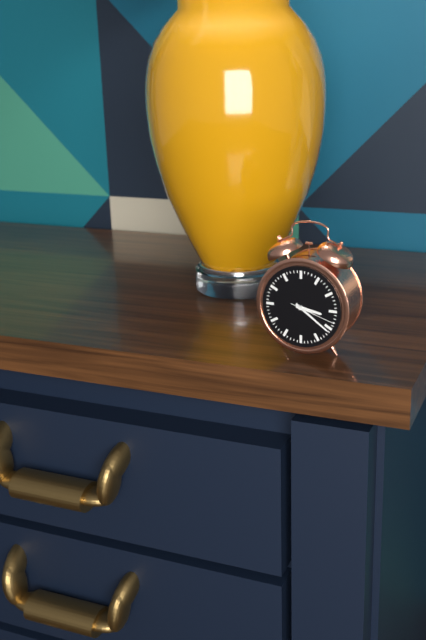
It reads 3h21
